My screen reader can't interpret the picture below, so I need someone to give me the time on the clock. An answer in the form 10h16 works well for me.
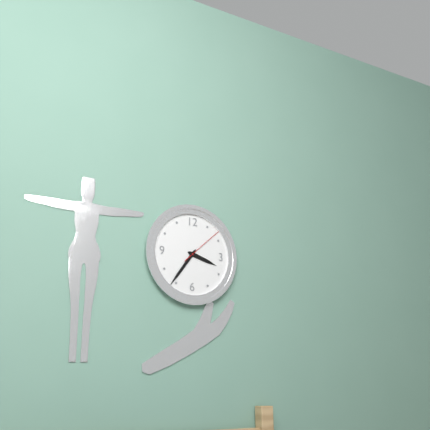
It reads 3h36
